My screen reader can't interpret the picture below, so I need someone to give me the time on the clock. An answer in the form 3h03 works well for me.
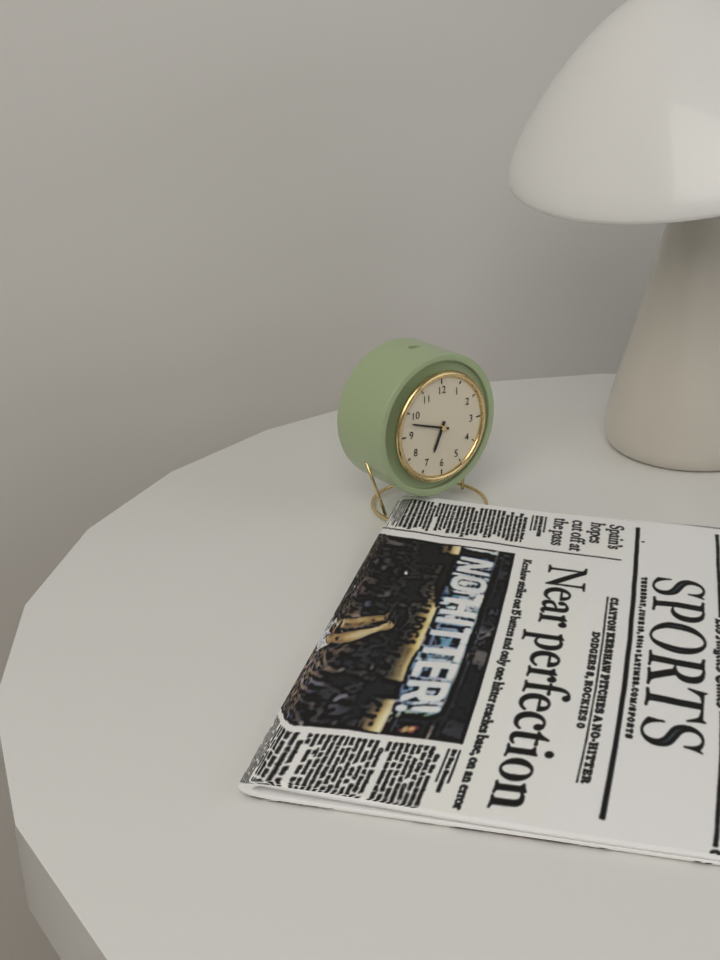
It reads 6h48
